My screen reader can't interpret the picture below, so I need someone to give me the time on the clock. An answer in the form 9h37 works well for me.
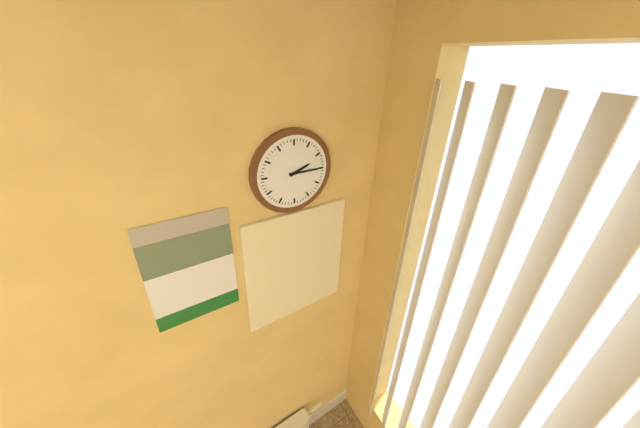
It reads 2h15
